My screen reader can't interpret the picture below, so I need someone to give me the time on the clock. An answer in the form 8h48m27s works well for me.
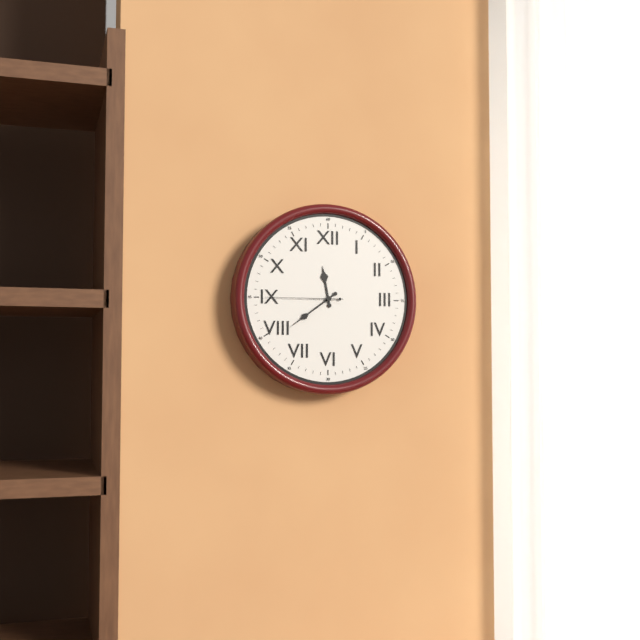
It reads 11h39m45s
